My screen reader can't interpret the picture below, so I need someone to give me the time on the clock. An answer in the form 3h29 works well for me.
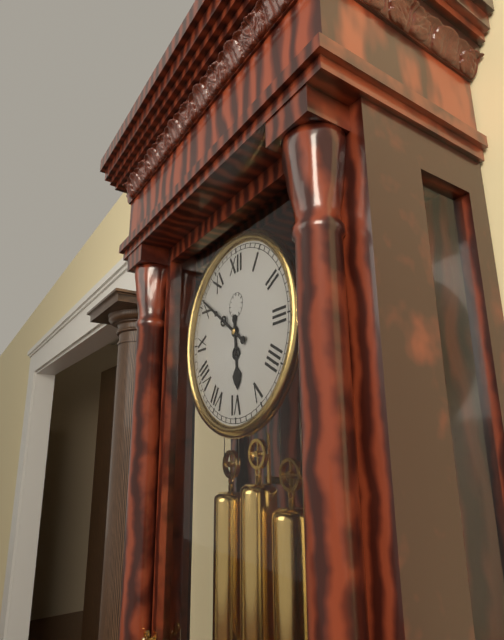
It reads 5h51
